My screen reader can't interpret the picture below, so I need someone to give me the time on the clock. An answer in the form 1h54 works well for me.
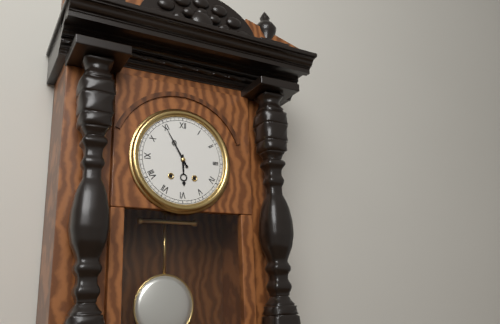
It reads 5h55
